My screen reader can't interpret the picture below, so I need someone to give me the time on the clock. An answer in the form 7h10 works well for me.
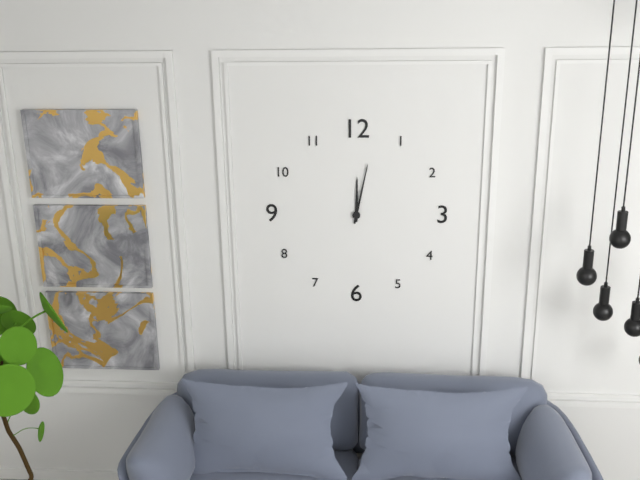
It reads 12h02
